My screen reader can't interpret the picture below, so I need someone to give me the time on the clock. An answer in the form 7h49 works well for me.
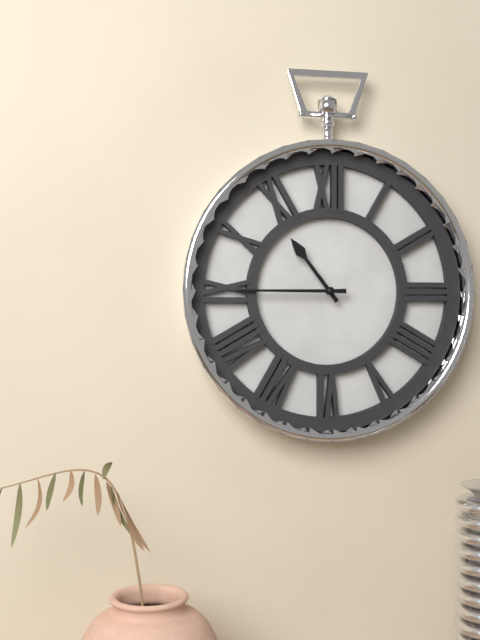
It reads 10h45
